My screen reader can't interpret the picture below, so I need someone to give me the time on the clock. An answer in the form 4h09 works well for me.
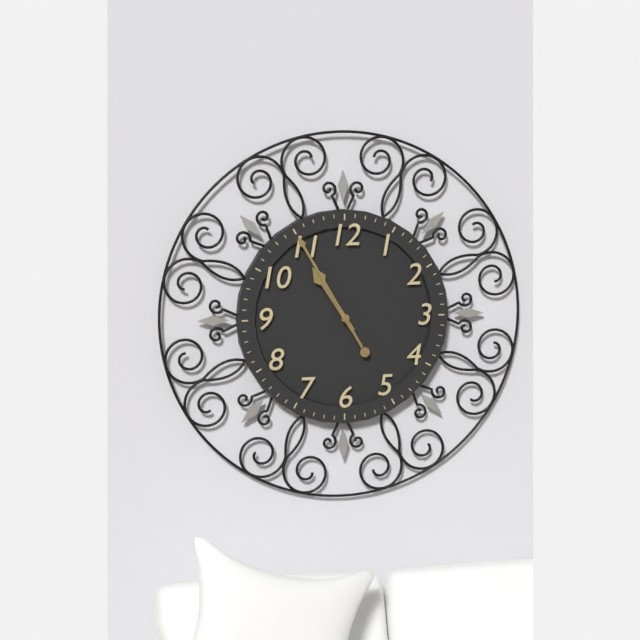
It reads 10h55
